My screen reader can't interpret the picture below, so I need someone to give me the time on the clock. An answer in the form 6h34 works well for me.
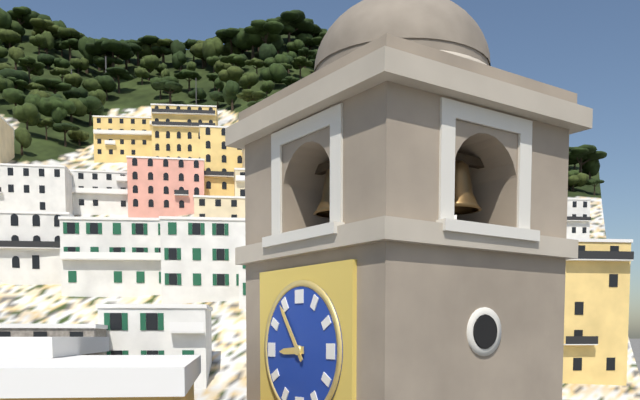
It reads 8h54
